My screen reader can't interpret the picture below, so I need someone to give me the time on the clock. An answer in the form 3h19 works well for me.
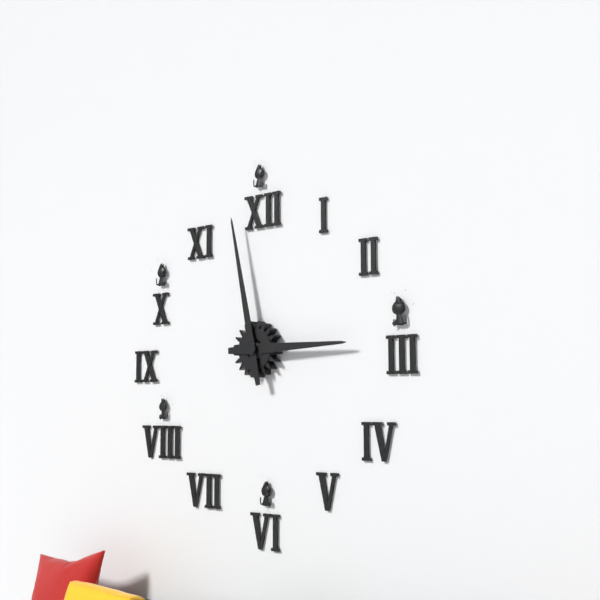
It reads 2h58
